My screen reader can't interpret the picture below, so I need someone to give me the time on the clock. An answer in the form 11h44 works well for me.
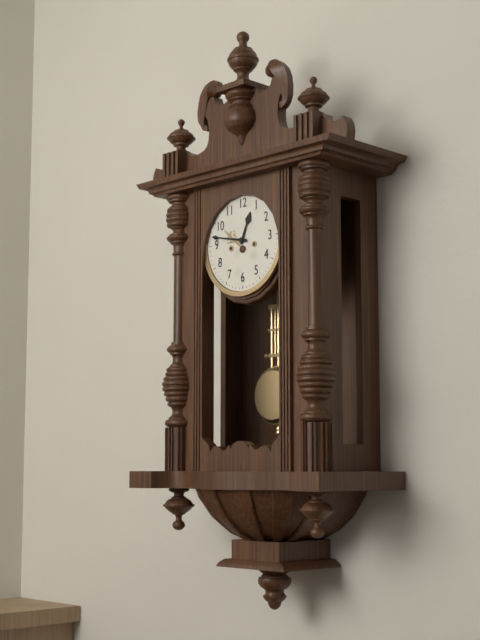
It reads 12h47
